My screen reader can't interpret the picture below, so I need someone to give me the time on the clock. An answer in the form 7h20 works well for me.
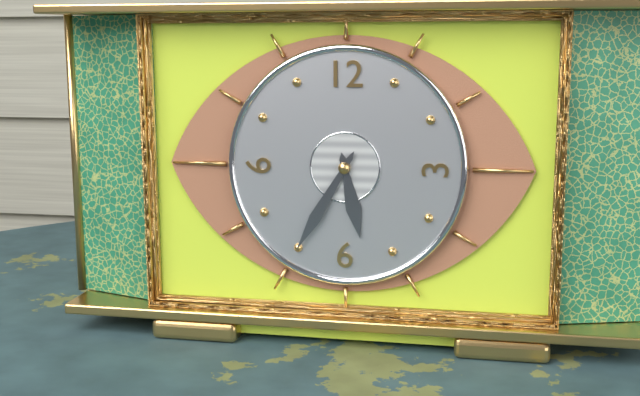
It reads 5h35
